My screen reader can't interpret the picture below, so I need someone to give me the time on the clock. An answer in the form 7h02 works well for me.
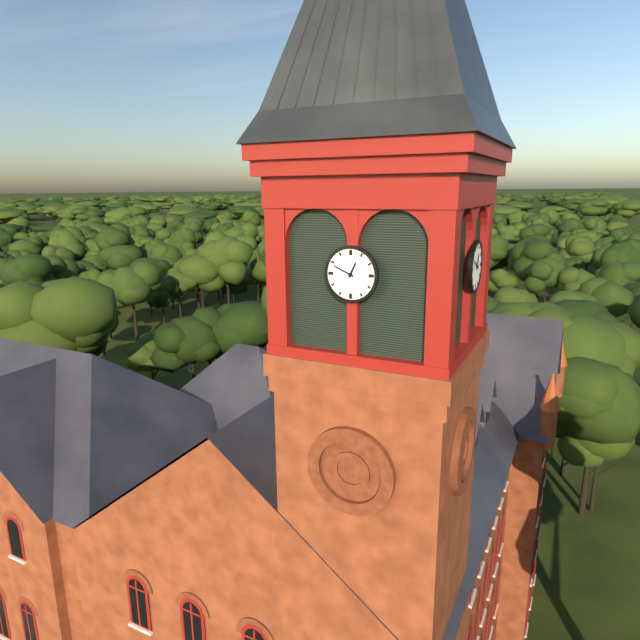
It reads 12h49
